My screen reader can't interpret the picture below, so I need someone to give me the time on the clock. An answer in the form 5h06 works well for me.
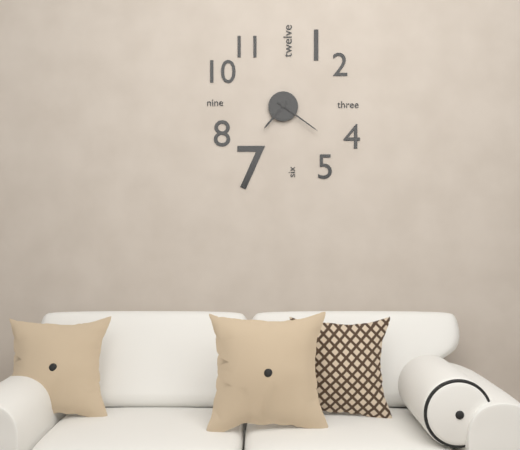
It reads 7h21
